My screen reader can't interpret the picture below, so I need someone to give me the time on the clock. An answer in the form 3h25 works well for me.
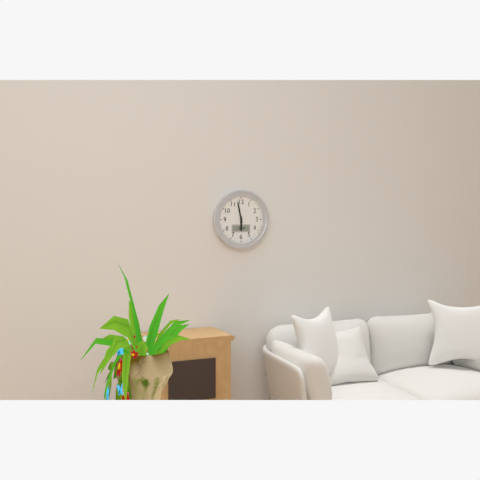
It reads 5h58
